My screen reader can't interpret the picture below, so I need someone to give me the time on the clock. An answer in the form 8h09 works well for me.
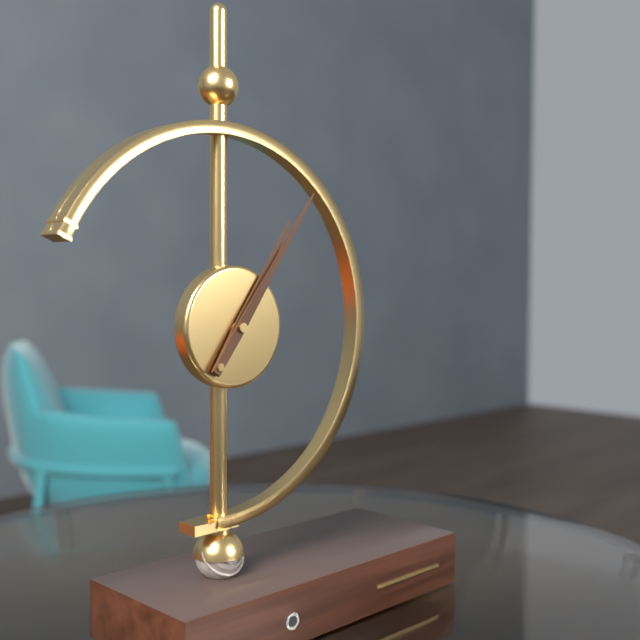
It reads 1h06
